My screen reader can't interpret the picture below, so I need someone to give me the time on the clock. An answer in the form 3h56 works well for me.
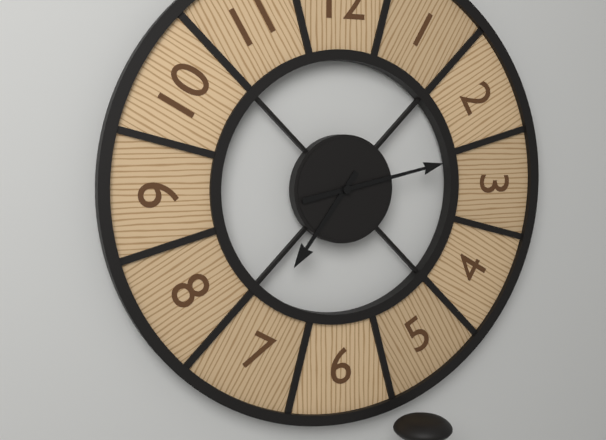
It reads 7h13
